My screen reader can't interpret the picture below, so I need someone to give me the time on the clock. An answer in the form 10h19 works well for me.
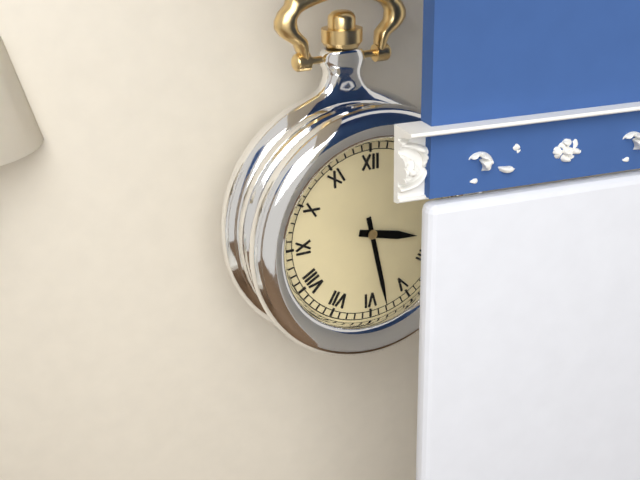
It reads 3h28
